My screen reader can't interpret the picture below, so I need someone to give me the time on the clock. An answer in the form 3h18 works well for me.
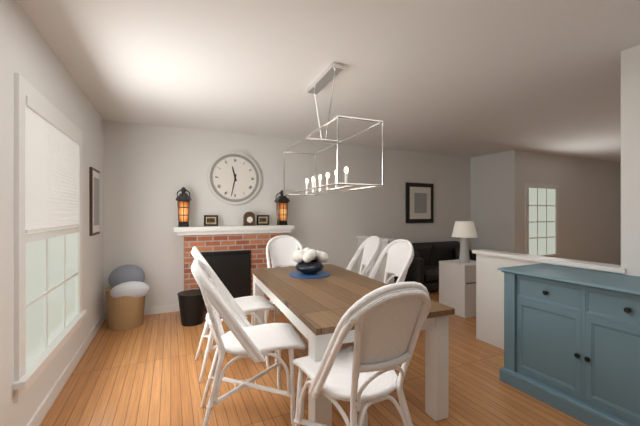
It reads 11h32
